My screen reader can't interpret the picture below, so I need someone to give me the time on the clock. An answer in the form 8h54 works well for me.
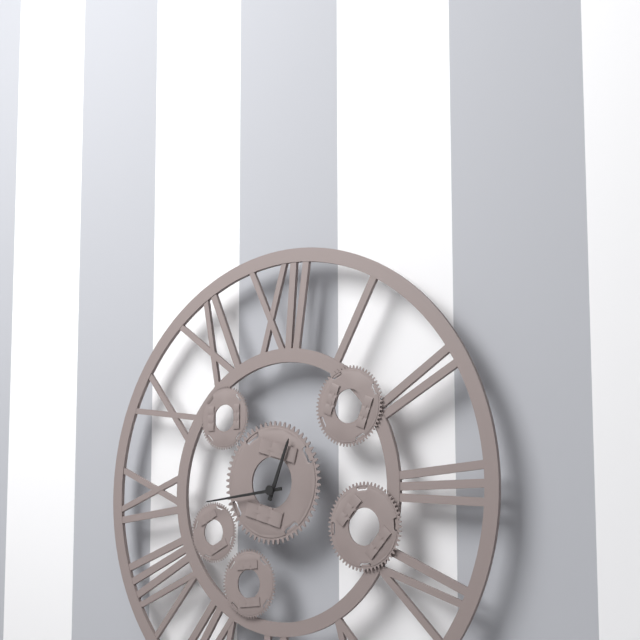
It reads 12h44
